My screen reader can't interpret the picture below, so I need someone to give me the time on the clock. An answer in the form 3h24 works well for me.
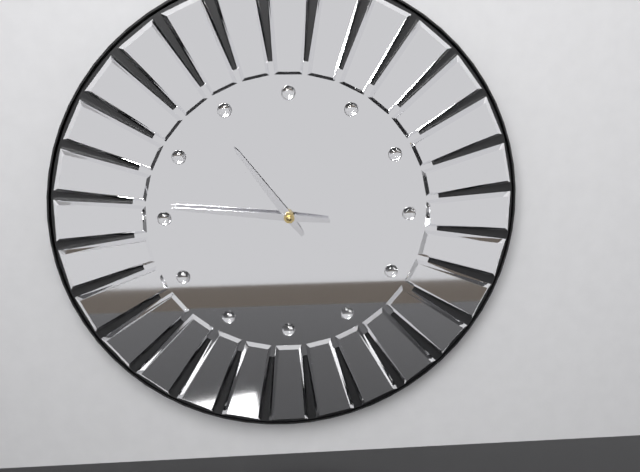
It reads 10h46
